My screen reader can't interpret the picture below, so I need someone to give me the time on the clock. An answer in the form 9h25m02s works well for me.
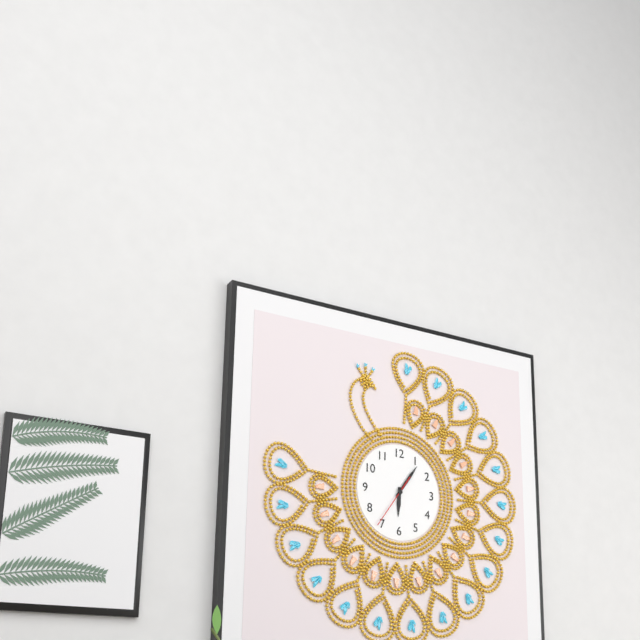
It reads 6h06m36s
